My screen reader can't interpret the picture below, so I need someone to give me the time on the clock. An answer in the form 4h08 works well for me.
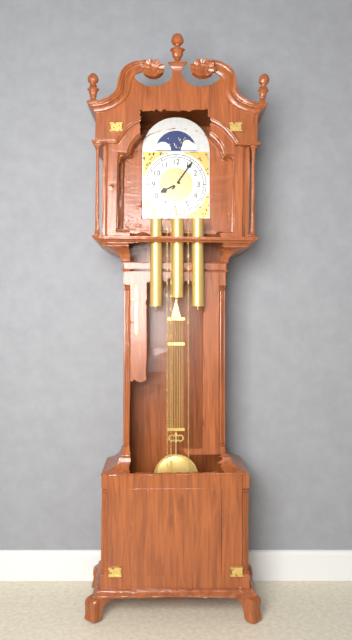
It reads 8h06
